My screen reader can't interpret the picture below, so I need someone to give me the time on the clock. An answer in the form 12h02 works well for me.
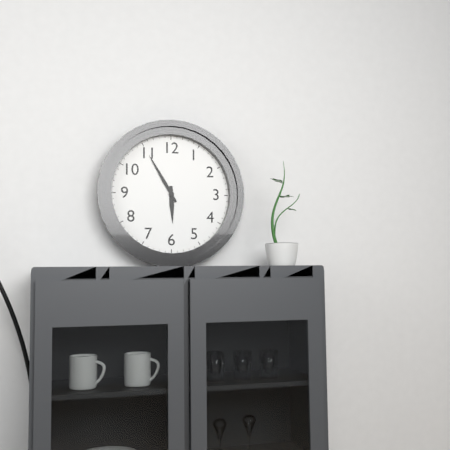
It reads 5h55
